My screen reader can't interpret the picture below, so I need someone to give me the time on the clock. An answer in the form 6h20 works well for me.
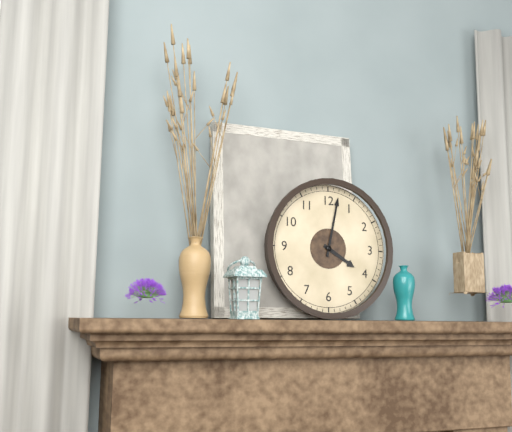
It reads 4h02
